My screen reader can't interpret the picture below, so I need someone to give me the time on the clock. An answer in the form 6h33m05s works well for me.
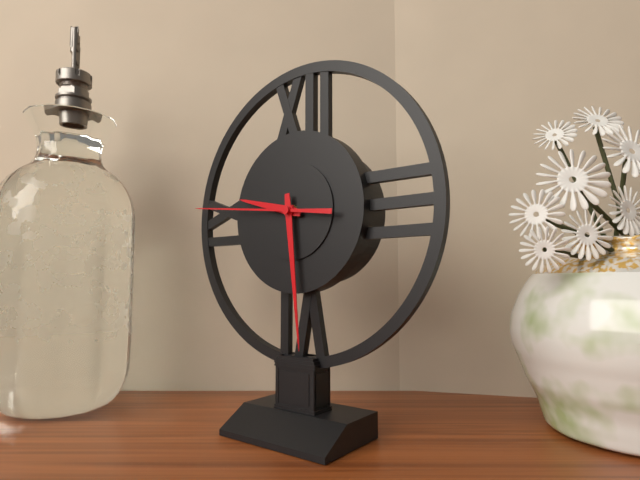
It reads 9h29m46s
